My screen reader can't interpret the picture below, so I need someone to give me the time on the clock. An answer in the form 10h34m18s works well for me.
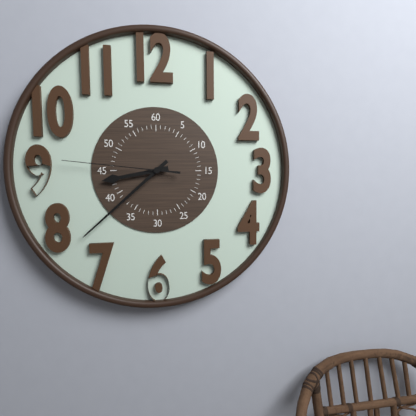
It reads 8h38m46s
